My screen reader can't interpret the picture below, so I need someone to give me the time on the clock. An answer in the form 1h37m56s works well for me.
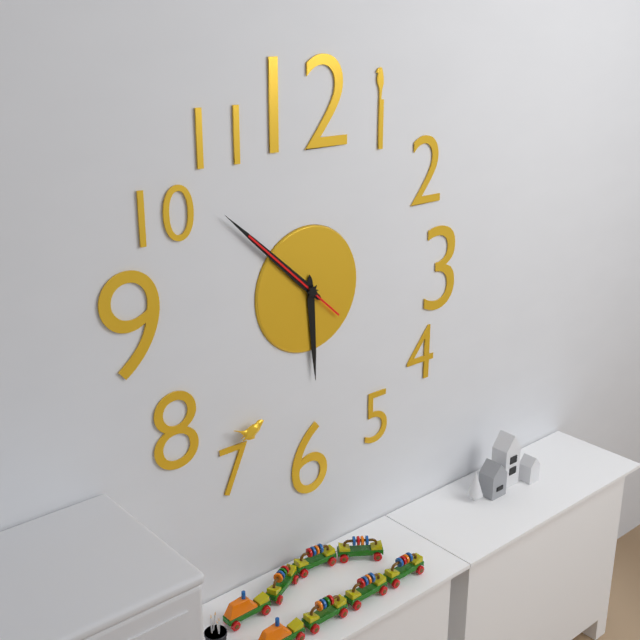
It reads 5h52m52s
